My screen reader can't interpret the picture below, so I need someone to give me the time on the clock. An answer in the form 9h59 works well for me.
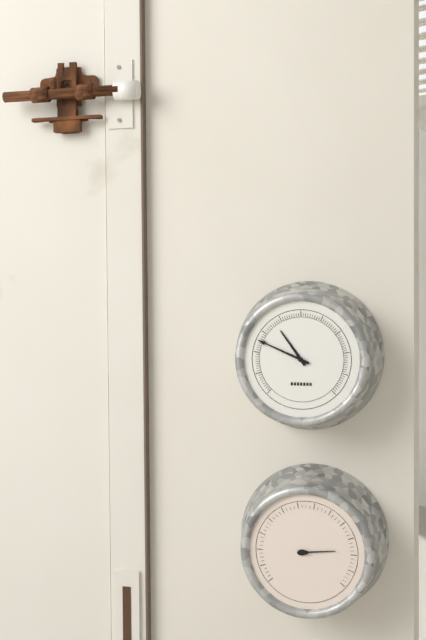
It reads 10h49
